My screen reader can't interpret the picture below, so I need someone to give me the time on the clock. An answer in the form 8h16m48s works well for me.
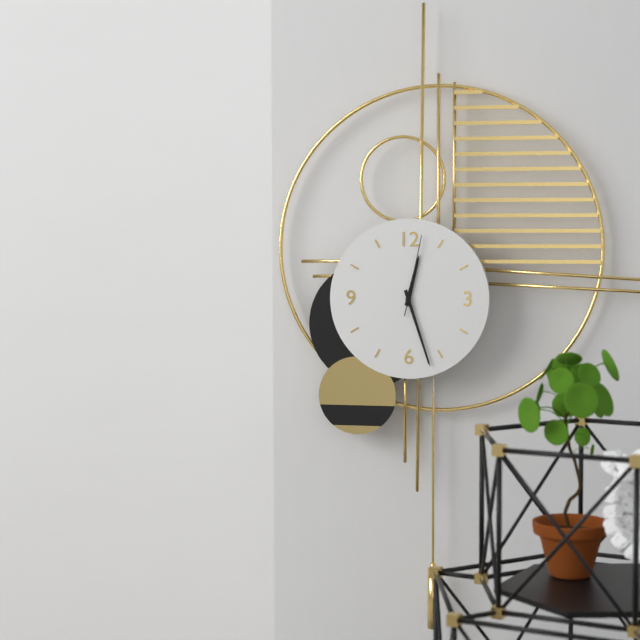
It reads 12h27m02s
